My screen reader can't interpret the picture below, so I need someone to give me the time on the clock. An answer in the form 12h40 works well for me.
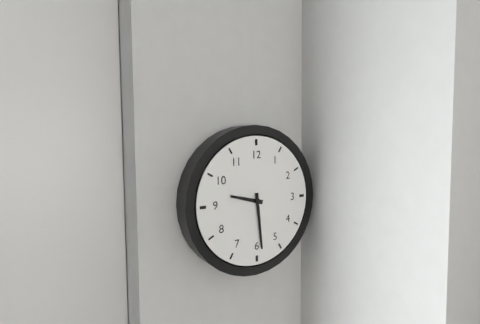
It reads 9h29
